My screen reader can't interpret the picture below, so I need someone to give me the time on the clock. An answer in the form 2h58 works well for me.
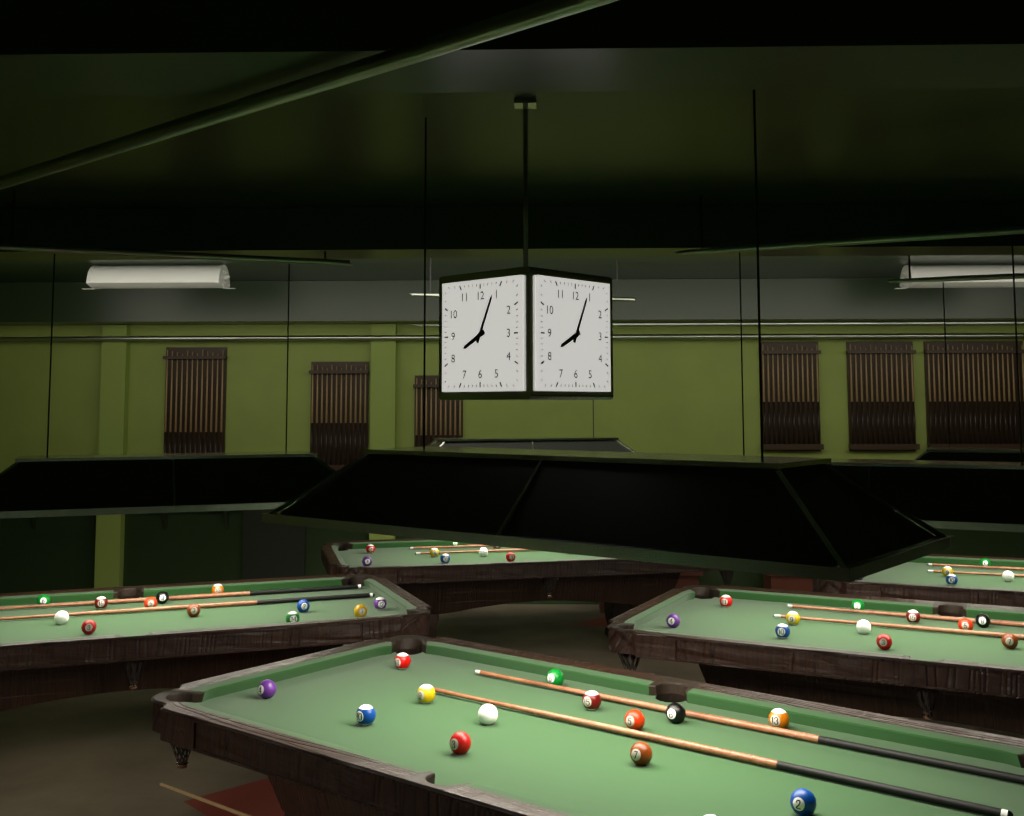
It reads 8h04
